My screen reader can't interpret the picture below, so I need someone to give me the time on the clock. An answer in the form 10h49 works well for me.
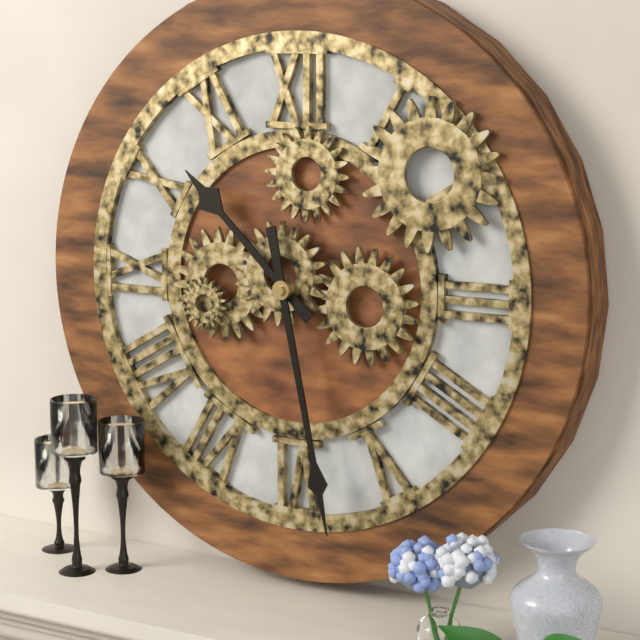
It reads 10h28
